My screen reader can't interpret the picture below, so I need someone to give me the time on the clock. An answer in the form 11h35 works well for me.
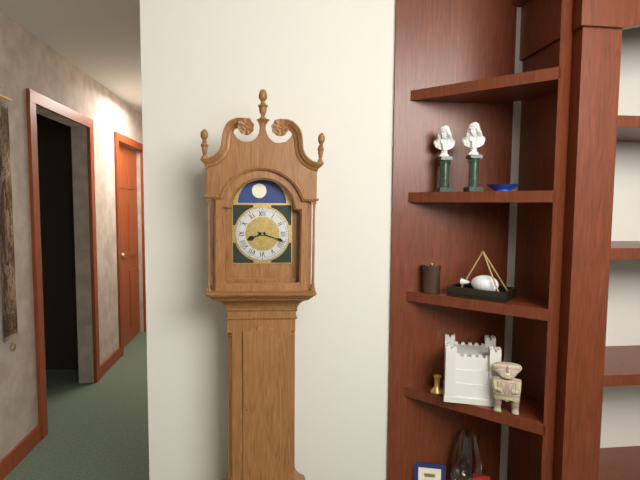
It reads 8h18
